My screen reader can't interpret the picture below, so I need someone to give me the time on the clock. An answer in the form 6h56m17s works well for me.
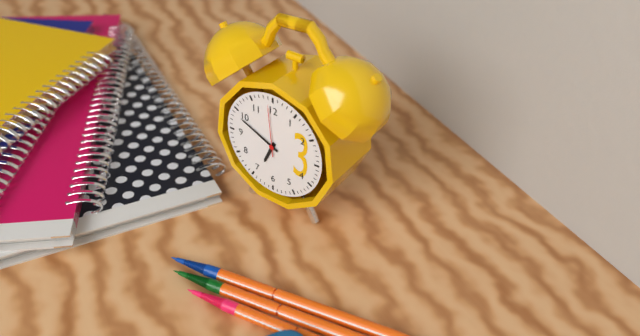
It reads 6h49m59s
